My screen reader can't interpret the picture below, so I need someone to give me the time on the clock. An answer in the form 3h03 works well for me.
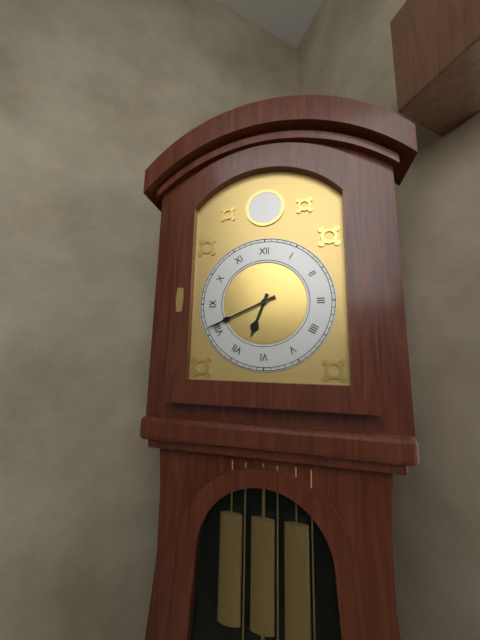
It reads 6h41
